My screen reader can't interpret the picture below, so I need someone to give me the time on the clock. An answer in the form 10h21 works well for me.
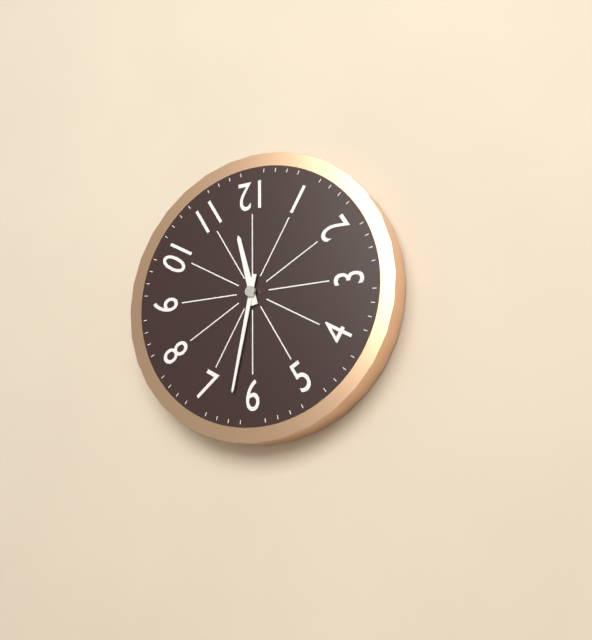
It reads 11h32
